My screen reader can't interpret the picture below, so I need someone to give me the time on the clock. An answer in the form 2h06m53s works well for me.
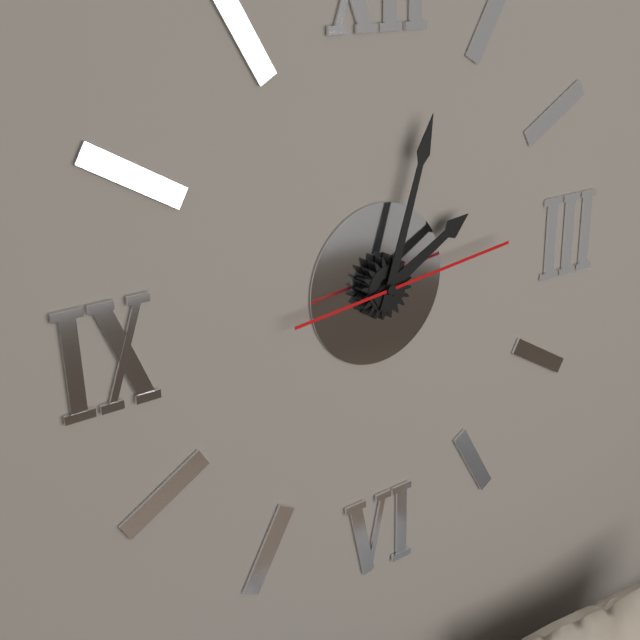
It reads 2h03m14s
